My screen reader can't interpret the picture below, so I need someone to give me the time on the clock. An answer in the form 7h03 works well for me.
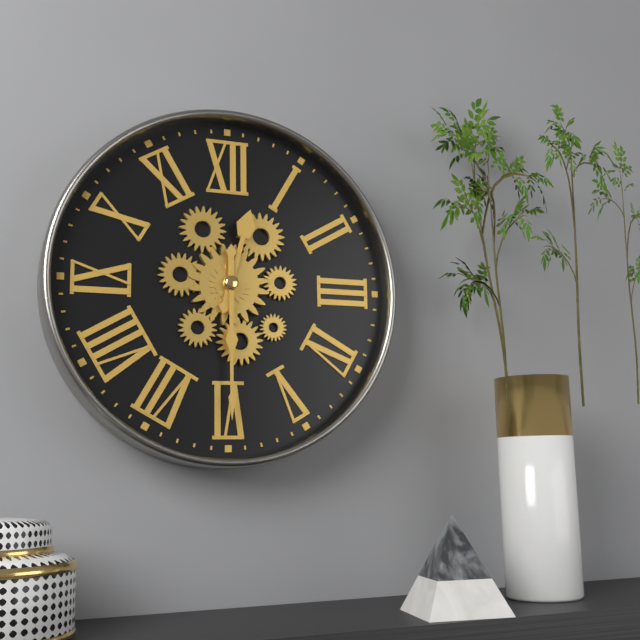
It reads 12h30
